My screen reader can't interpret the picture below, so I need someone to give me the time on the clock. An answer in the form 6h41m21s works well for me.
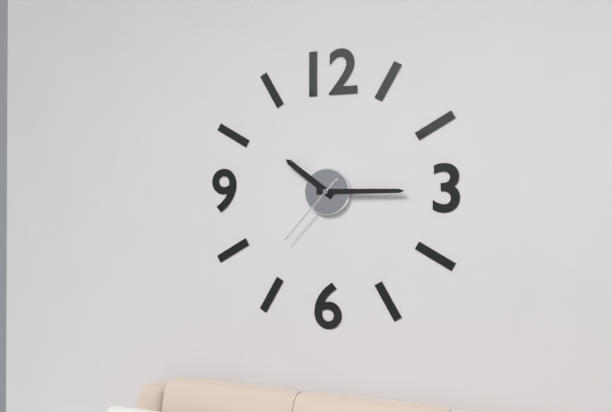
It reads 10h15m37s
